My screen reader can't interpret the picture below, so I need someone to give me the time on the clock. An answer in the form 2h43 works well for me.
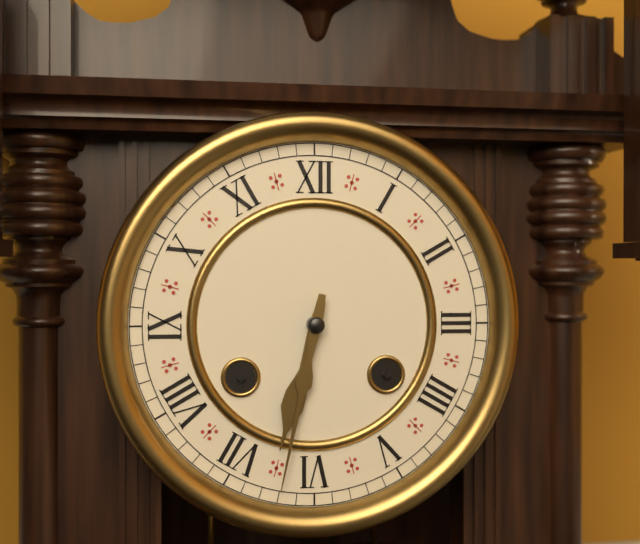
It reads 6h32
